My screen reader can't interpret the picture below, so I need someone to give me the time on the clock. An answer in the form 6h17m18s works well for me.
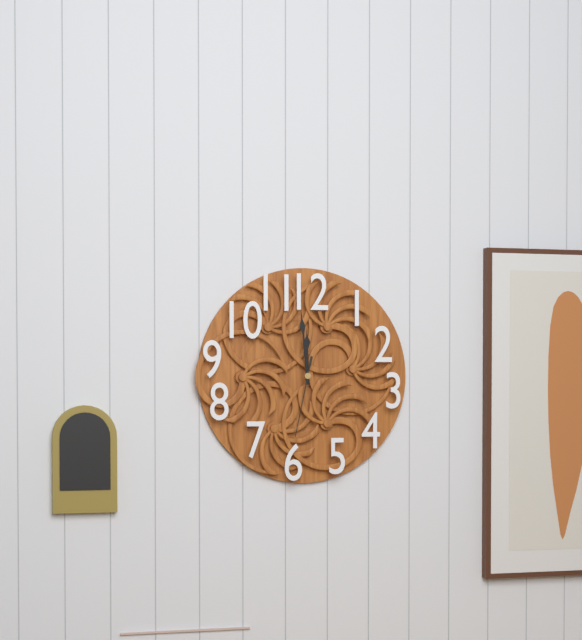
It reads 11h59m32s
